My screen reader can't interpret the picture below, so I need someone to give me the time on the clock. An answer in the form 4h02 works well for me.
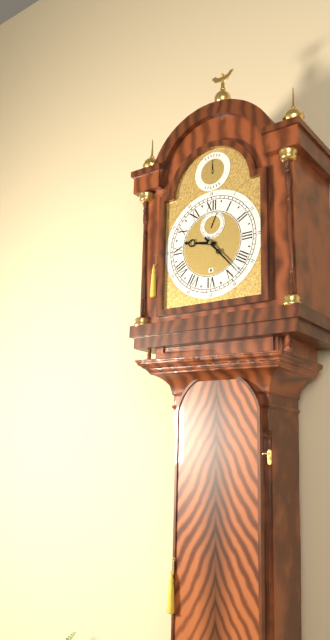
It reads 9h23
